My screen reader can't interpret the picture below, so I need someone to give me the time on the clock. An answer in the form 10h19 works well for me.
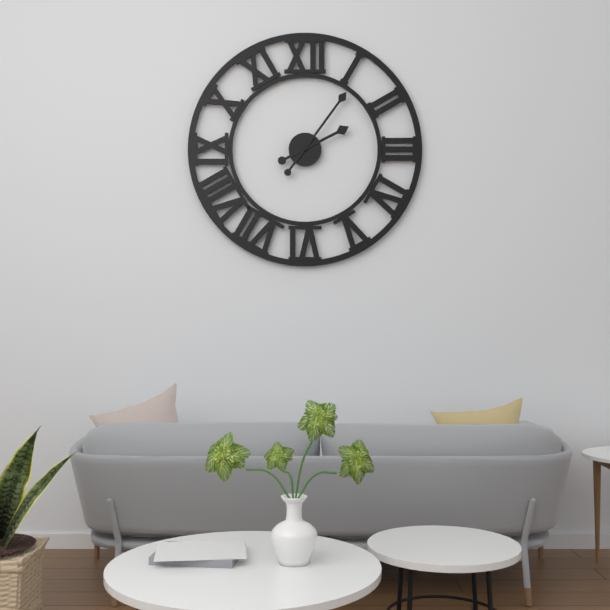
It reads 2h06
